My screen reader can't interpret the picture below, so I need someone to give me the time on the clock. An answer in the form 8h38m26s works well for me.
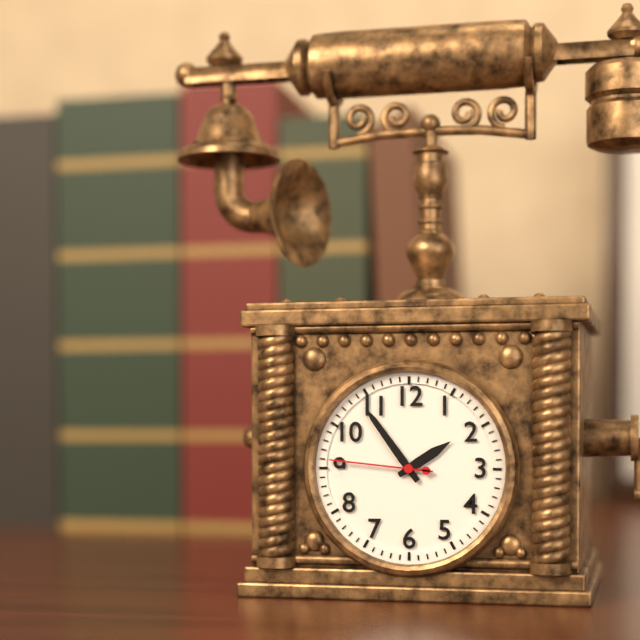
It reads 1h54m46s
